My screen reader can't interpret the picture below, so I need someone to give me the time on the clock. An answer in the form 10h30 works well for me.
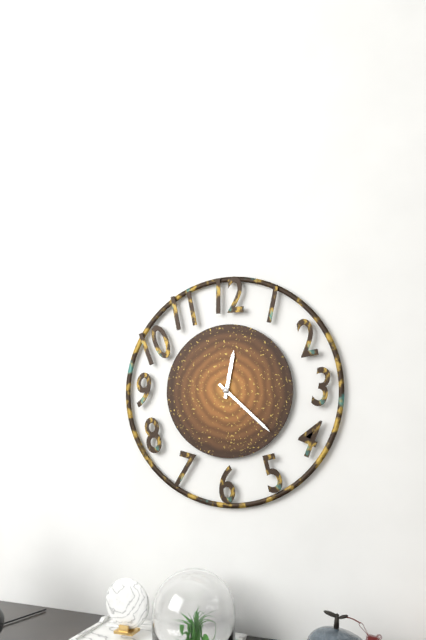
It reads 12h22
